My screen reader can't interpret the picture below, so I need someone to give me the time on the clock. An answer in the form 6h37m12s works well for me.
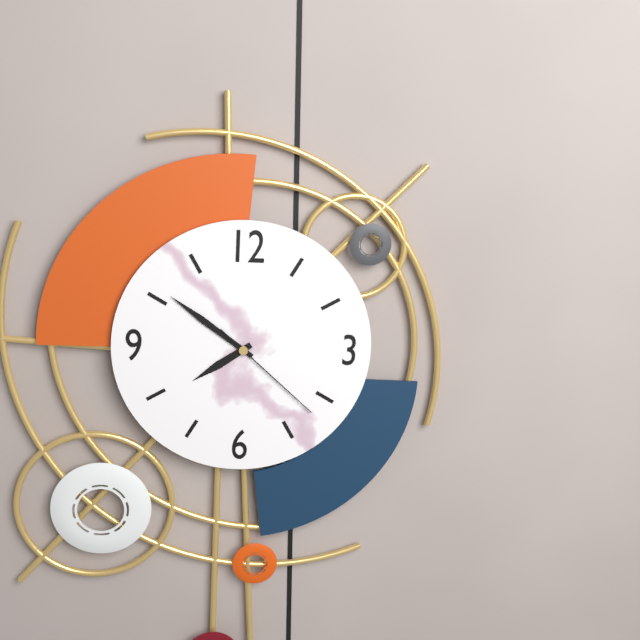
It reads 7h51m22s
